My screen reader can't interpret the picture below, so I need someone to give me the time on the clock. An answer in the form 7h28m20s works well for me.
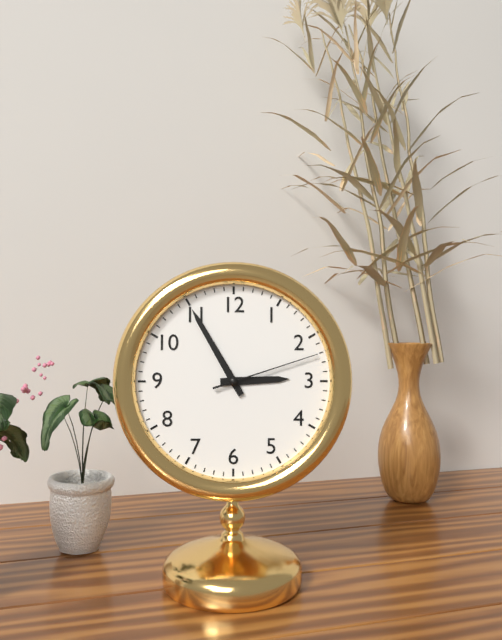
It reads 2h55m12s
